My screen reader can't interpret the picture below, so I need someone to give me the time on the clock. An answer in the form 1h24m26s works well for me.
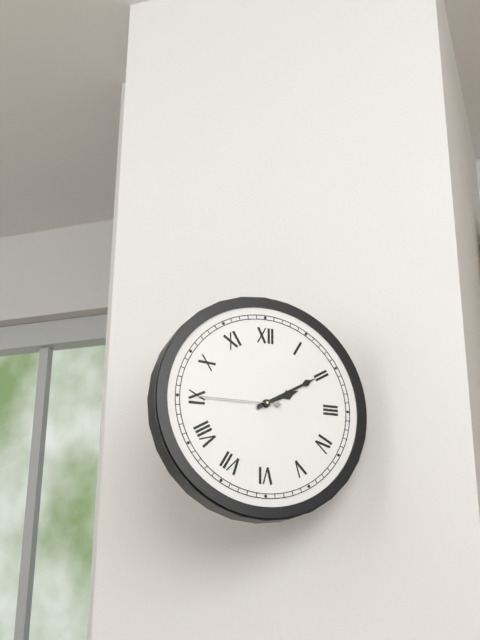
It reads 2h10m45s
